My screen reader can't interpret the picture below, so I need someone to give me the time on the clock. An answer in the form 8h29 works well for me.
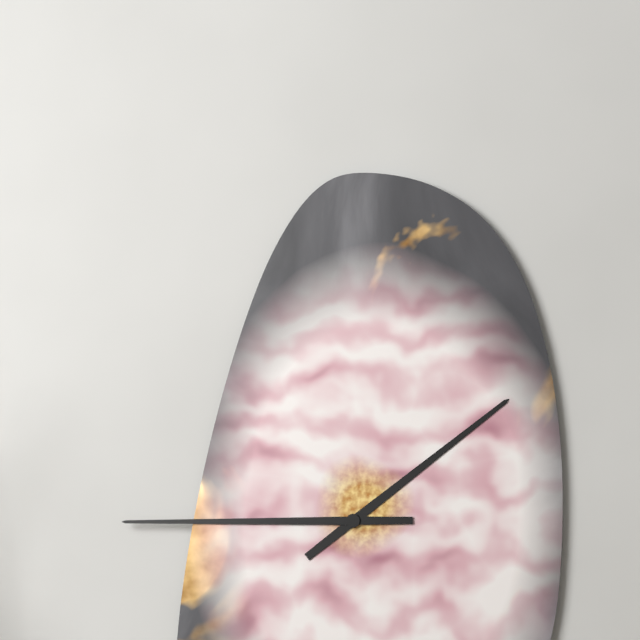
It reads 1h45
